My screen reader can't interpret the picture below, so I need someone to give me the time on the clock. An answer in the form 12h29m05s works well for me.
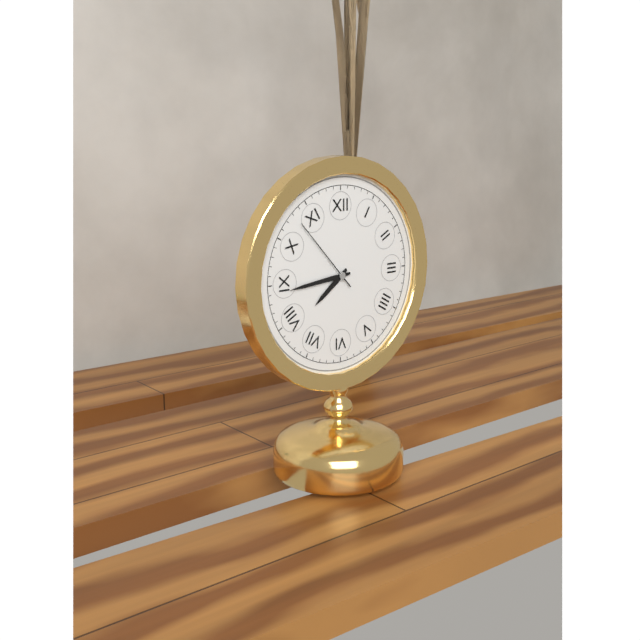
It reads 7h44m53s
